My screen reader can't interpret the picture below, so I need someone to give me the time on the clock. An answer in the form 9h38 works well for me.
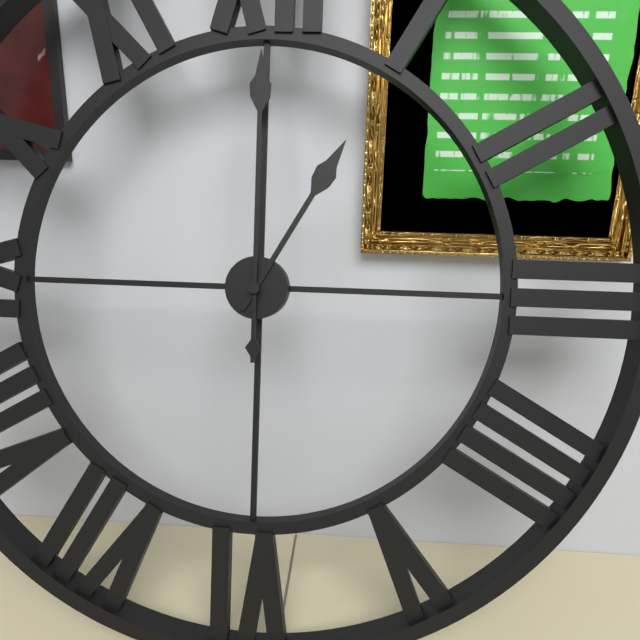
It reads 1h00
